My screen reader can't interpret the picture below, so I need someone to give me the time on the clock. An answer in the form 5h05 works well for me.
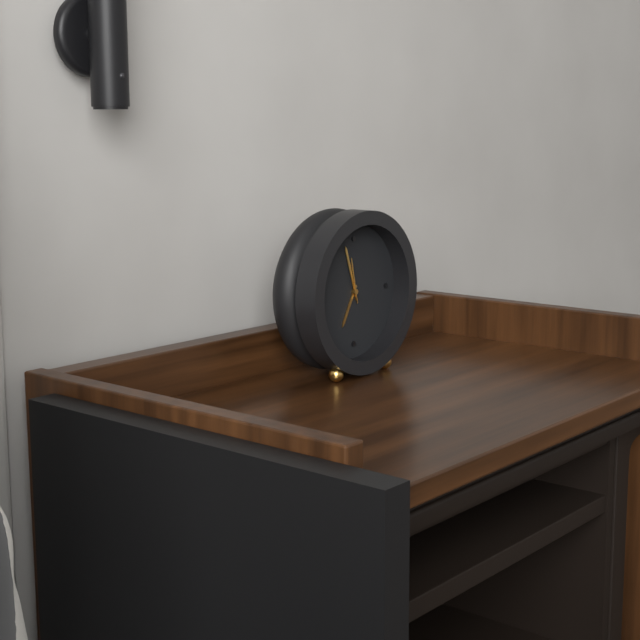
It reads 6h57
